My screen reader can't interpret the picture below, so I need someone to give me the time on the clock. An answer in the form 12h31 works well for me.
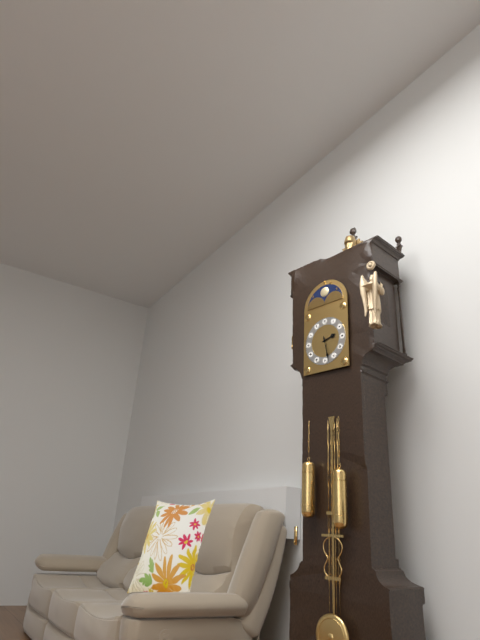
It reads 2h28
